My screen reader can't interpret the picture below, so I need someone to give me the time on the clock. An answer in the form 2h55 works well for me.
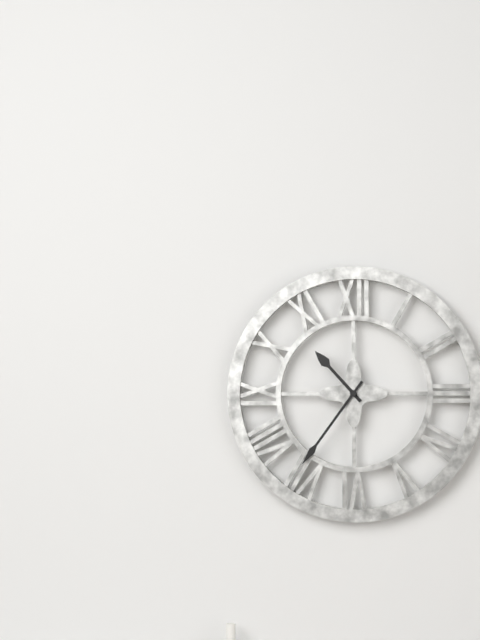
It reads 10h36
